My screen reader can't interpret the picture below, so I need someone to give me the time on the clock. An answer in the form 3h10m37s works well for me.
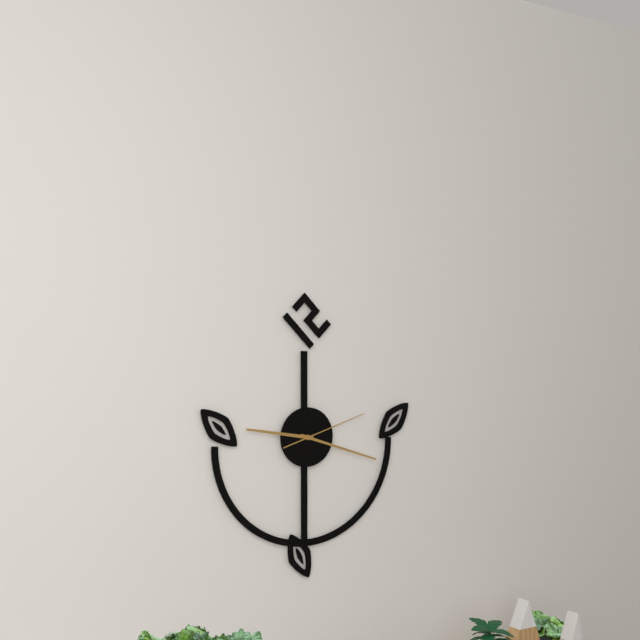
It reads 9h18m12s
